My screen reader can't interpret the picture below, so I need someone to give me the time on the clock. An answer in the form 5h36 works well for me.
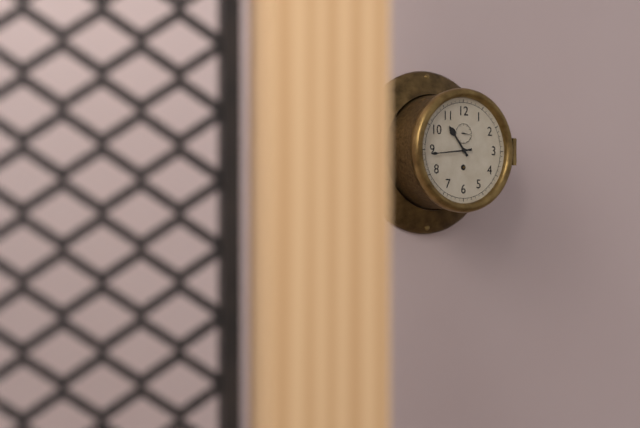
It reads 10h44
